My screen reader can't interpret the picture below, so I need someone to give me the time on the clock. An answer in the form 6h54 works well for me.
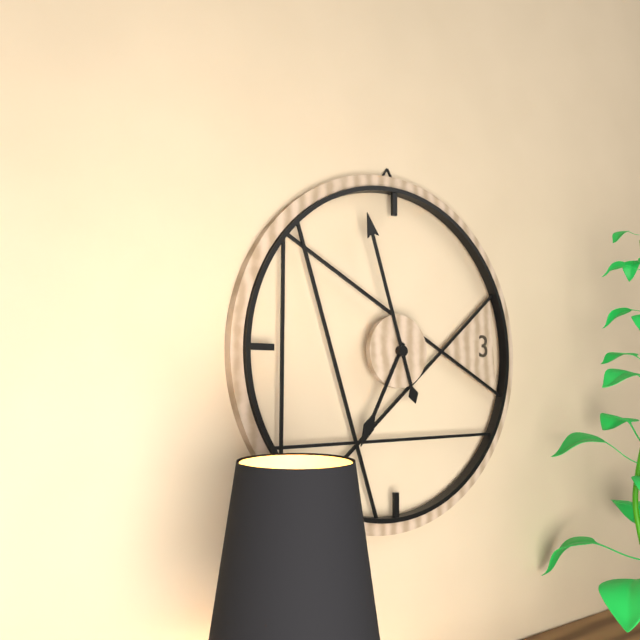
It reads 6h57
